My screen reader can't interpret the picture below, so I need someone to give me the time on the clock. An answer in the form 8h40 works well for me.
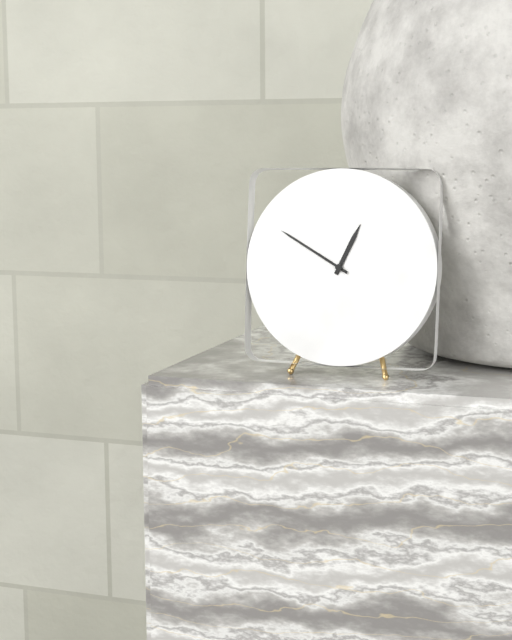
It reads 12h50
